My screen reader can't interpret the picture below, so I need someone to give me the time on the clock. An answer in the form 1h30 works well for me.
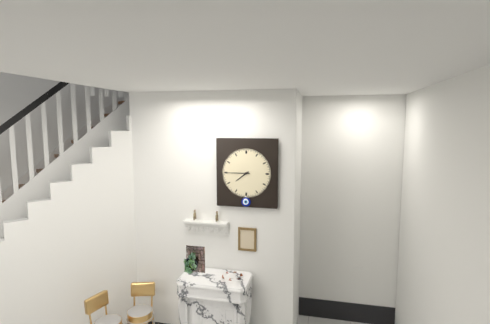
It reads 7h45
